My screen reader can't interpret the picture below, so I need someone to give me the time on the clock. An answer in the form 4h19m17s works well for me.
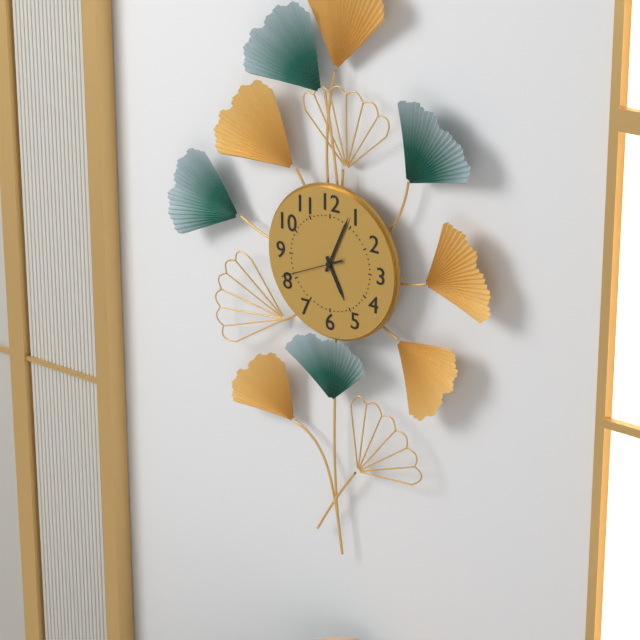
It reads 5h04m41s
